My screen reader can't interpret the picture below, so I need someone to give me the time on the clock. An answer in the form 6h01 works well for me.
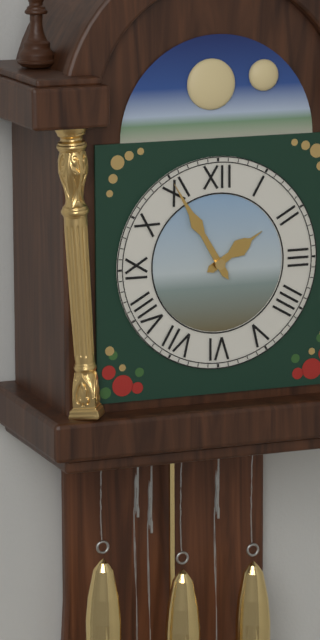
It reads 1h55
